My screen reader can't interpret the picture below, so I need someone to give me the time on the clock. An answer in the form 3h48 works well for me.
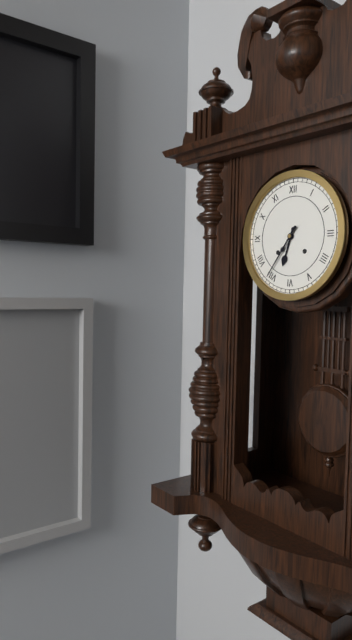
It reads 6h36
